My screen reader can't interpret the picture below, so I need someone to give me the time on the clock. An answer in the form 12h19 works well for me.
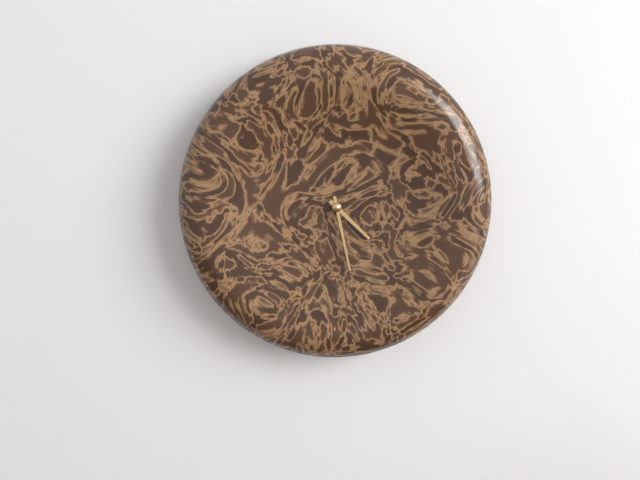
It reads 4h28
